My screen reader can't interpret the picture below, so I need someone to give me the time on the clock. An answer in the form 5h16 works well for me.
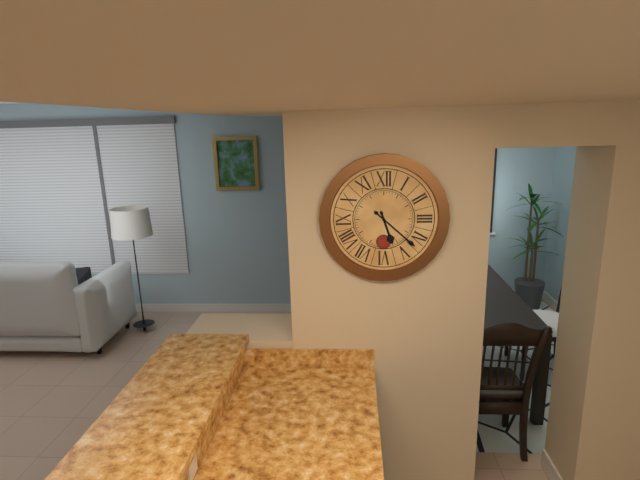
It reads 5h22
